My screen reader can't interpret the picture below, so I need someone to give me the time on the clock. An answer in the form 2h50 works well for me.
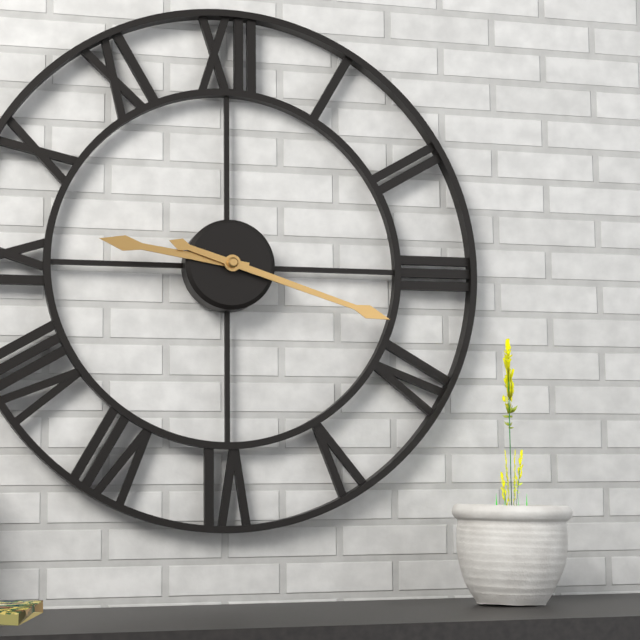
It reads 9h18
